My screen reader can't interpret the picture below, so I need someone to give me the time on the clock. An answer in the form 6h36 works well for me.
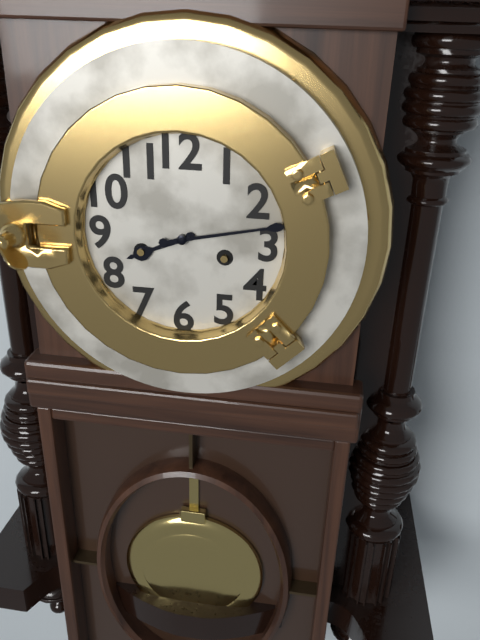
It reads 8h13
